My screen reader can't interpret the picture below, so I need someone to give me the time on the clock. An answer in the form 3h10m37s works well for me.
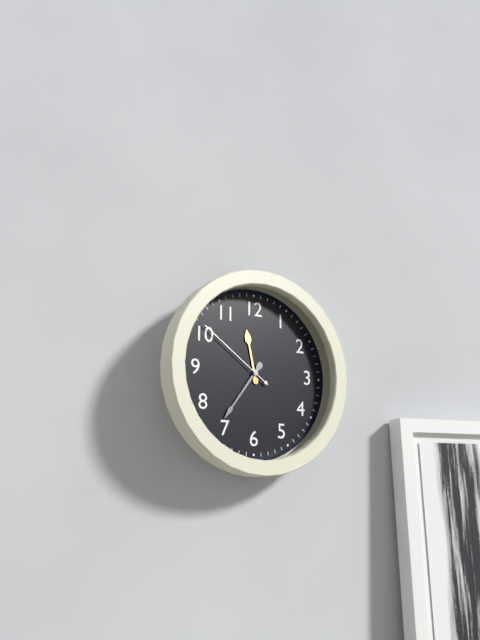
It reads 11h36m51s
